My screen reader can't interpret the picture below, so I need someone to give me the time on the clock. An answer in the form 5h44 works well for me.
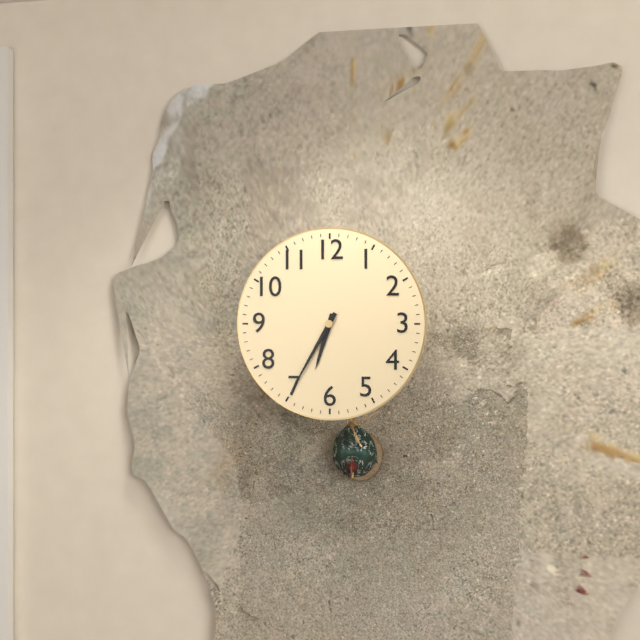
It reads 6h35
